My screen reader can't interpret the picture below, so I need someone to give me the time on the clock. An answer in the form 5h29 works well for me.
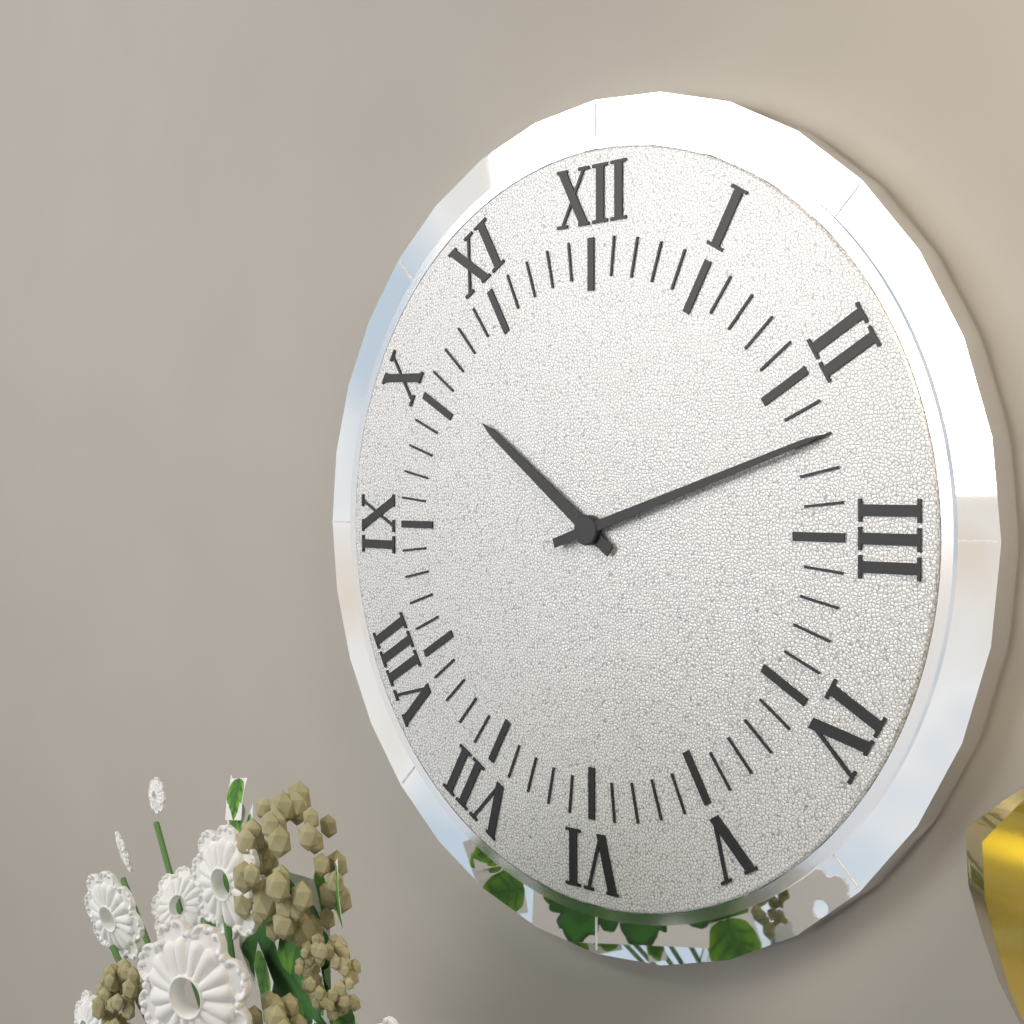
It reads 10h12
